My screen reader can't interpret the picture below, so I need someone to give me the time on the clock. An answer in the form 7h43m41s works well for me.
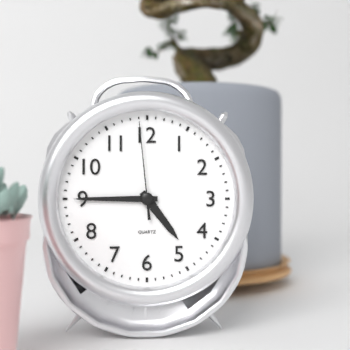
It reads 4h45m59s
